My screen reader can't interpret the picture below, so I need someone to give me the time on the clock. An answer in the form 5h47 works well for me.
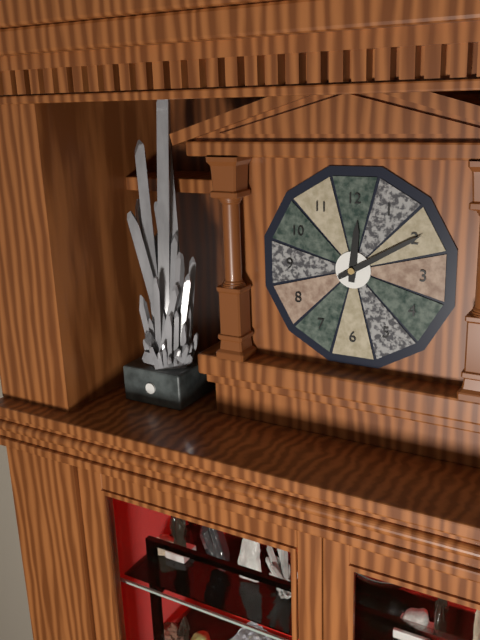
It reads 12h10
